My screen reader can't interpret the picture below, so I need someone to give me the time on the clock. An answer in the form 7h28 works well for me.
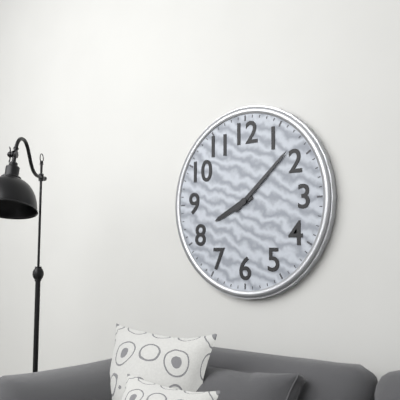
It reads 8h08
